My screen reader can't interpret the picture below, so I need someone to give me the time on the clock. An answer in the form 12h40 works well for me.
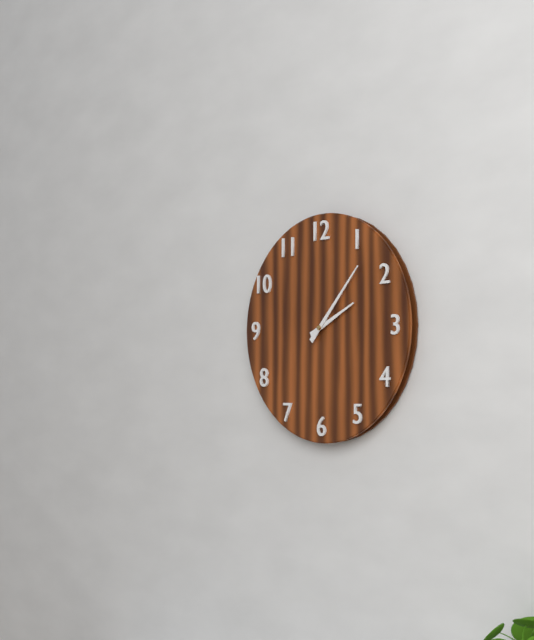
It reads 2h07
